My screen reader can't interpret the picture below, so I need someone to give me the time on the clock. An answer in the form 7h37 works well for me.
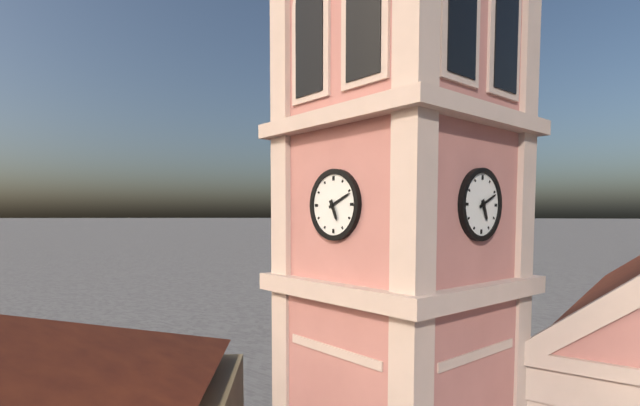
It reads 5h11
